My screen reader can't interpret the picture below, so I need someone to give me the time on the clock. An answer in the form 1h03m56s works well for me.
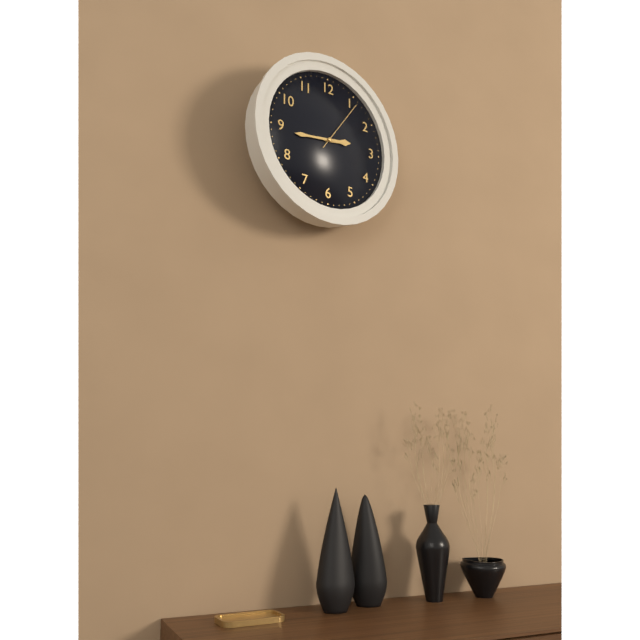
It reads 2h44m06s
